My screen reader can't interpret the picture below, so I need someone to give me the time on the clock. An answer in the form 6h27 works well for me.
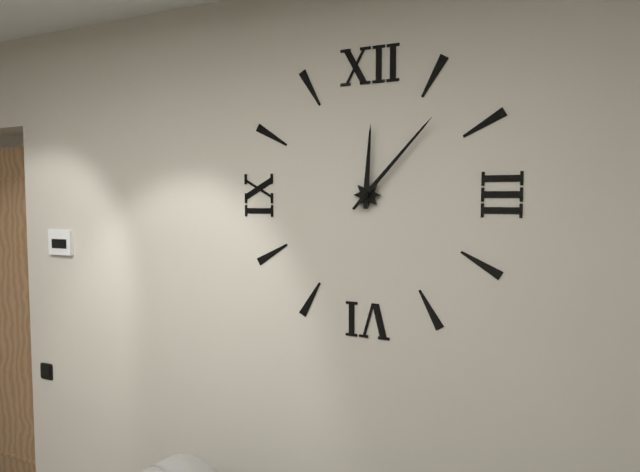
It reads 12h07
